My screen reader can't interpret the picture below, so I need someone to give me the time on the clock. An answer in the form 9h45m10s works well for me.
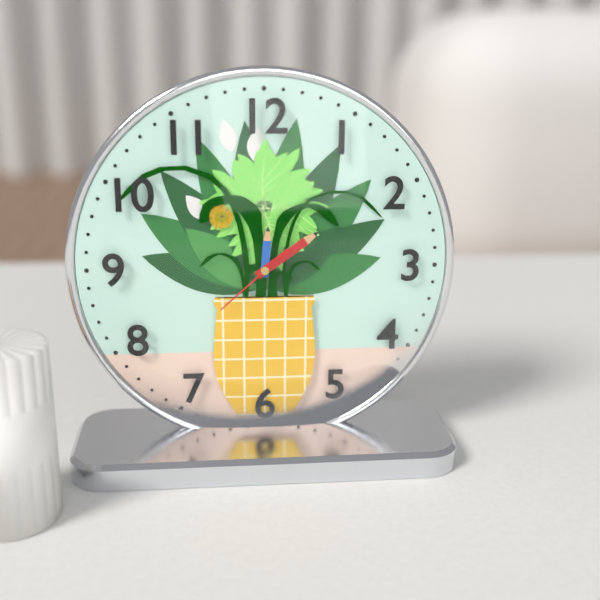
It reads 12h09m38s
